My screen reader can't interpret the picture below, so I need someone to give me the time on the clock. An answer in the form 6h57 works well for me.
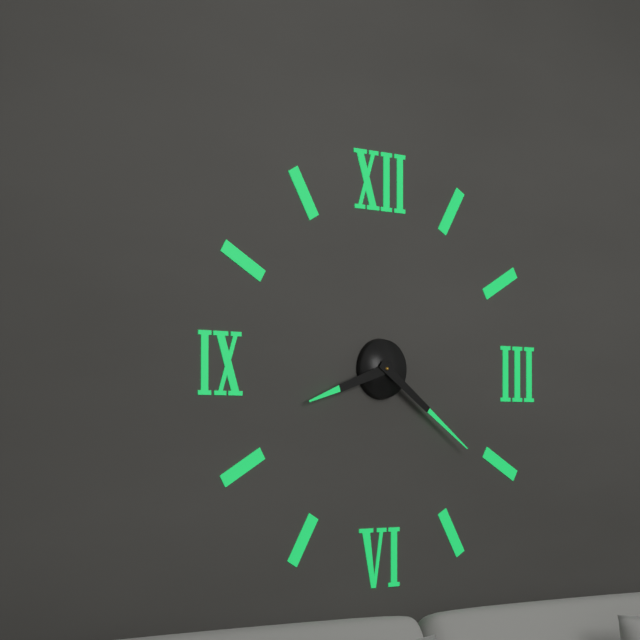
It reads 8h21
